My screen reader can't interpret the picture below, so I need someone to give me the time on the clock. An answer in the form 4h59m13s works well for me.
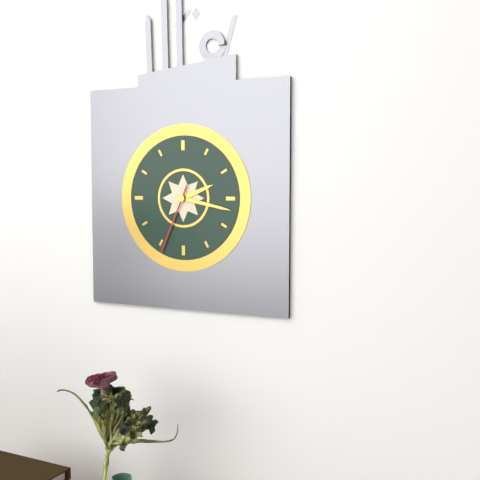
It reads 2h17m34s
